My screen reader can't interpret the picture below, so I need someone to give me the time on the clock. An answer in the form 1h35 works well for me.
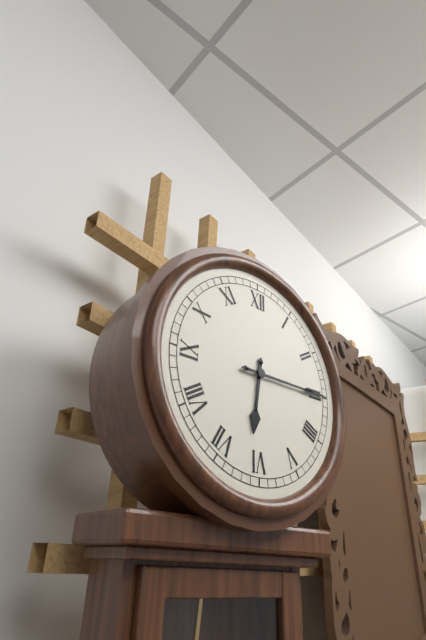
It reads 6h15
